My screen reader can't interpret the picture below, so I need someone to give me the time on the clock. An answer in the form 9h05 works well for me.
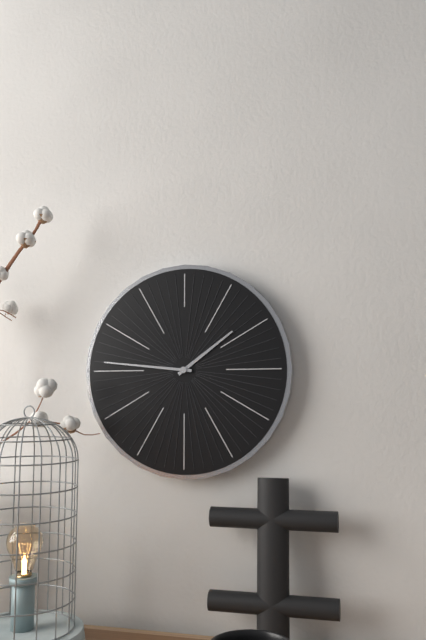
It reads 1h46
